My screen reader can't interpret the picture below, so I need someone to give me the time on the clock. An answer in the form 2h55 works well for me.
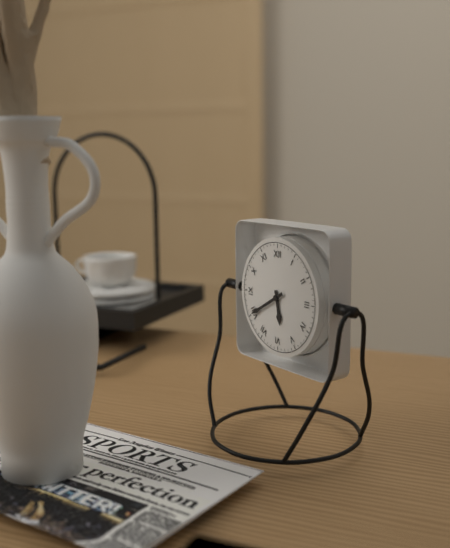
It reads 5h40
